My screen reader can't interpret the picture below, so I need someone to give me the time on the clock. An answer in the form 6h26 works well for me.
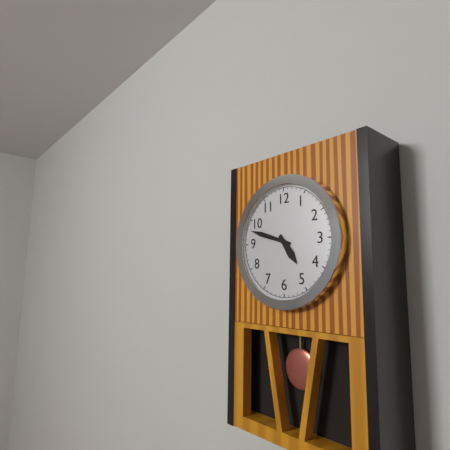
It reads 4h48
